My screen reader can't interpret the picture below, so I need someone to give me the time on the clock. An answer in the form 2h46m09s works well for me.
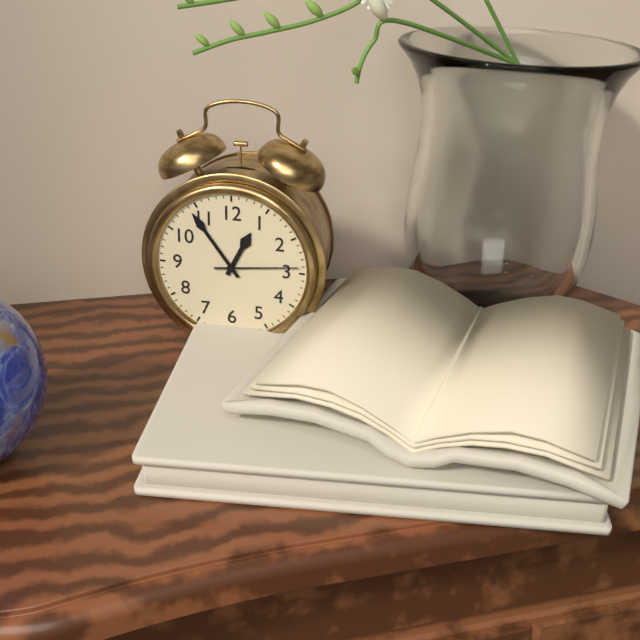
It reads 12h54m14s
